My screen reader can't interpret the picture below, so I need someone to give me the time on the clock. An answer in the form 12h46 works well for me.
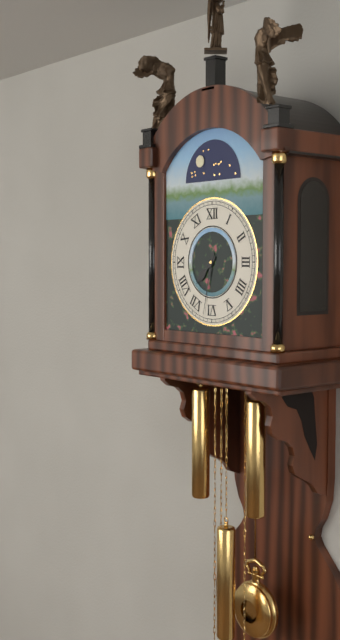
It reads 7h32
